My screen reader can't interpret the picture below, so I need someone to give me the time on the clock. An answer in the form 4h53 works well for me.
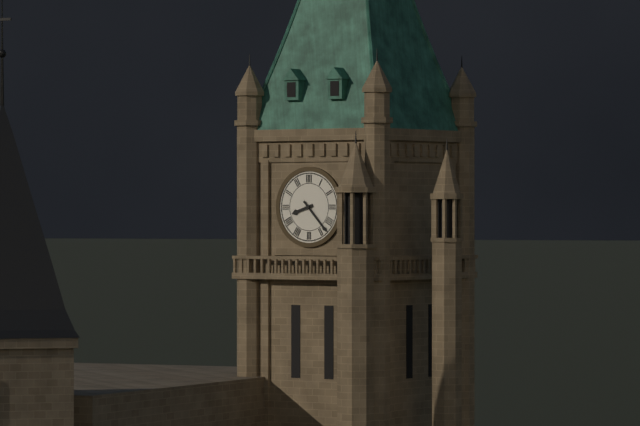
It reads 8h23
